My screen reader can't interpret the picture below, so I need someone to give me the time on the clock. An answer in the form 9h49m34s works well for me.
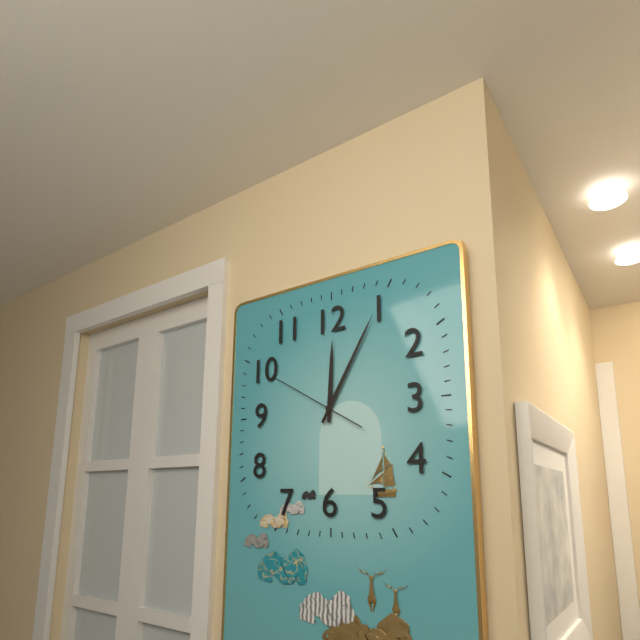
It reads 12h05m50s
